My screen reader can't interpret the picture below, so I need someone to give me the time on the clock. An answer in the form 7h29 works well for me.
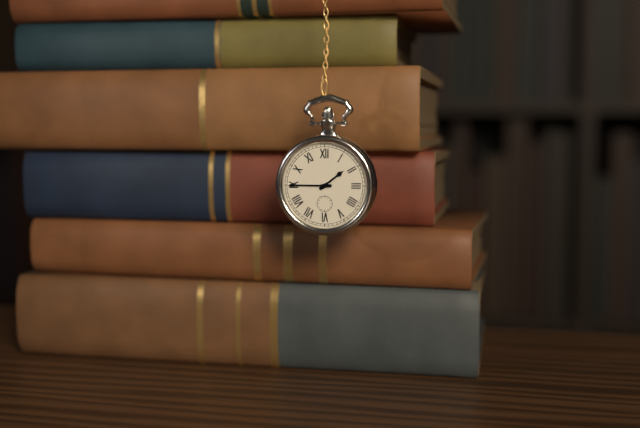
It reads 1h45
